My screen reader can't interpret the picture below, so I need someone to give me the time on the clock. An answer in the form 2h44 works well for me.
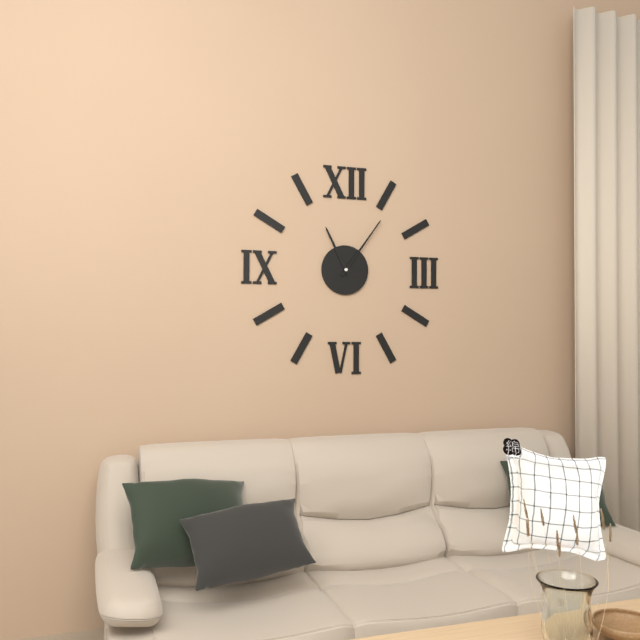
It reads 11h06
